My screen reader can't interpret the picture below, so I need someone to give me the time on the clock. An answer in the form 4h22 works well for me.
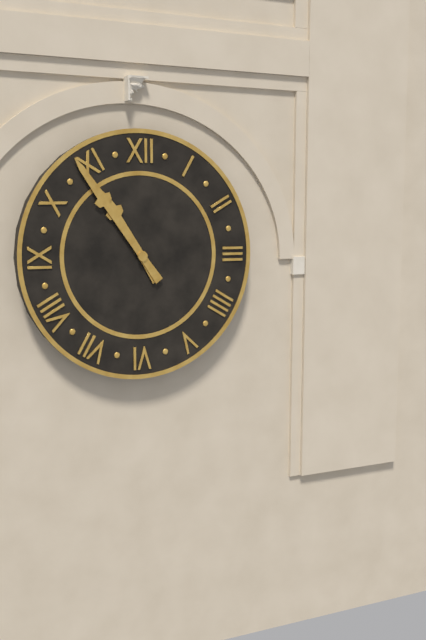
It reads 10h54
